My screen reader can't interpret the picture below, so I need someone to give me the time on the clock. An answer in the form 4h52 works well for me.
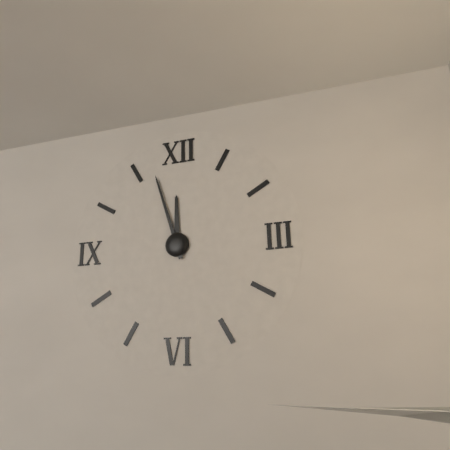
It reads 11h57
